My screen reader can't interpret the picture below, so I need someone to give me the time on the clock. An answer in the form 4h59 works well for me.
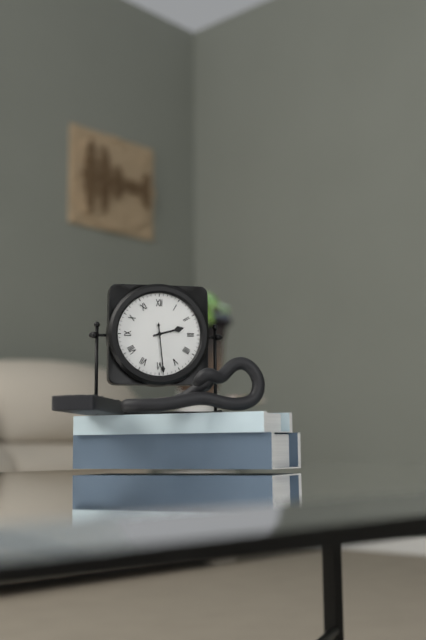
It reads 2h29
